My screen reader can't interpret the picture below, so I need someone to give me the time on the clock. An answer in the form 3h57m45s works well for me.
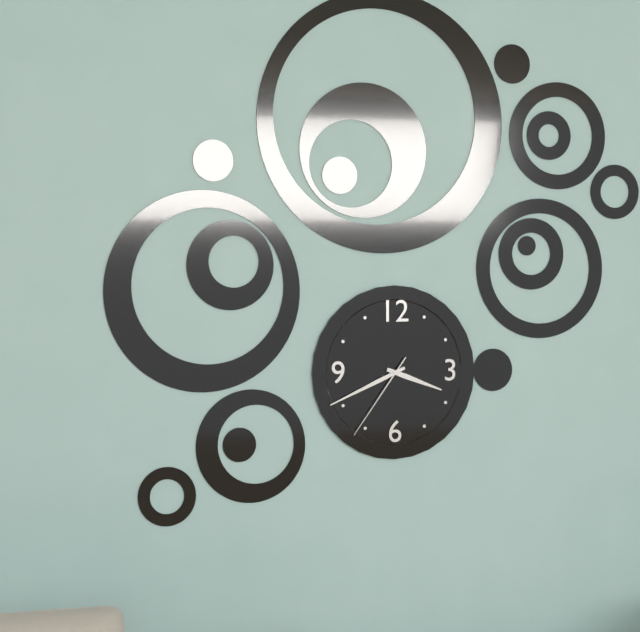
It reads 3h41m36s
